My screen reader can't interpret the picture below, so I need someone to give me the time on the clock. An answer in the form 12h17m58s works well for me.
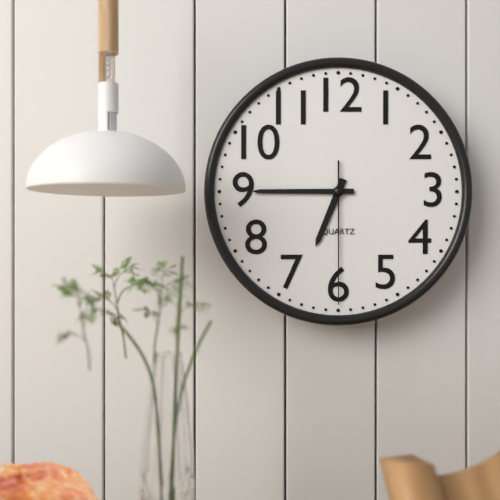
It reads 6h45m30s
